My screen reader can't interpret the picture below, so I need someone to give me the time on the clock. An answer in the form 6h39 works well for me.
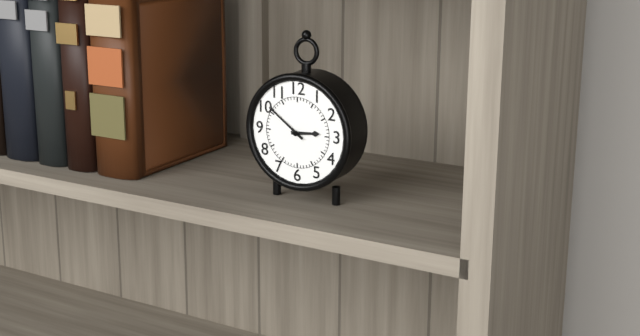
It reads 2h51
